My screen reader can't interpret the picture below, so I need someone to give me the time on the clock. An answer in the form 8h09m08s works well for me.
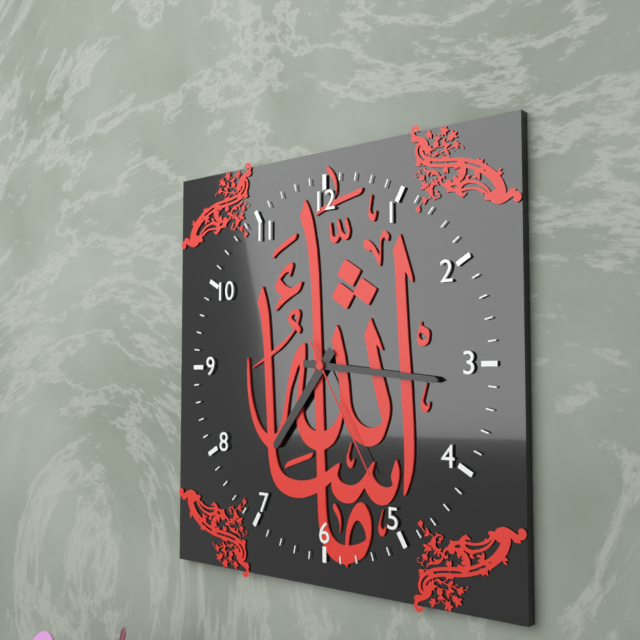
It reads 7h16m25s
